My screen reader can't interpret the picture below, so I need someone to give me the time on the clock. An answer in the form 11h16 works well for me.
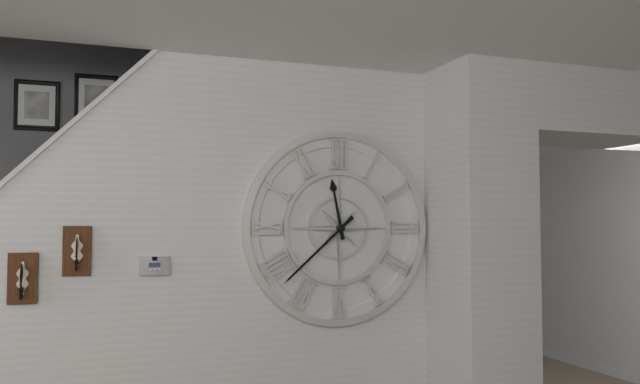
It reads 11h38
